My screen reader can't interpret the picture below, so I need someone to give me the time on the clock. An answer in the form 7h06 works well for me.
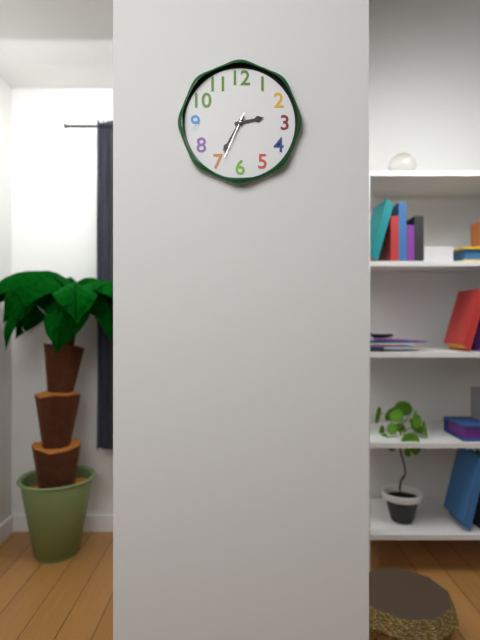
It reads 2h35
